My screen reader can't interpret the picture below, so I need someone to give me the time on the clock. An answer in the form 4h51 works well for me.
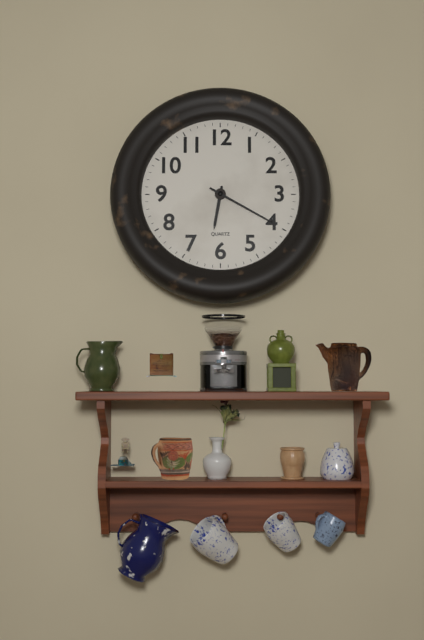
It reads 6h20
